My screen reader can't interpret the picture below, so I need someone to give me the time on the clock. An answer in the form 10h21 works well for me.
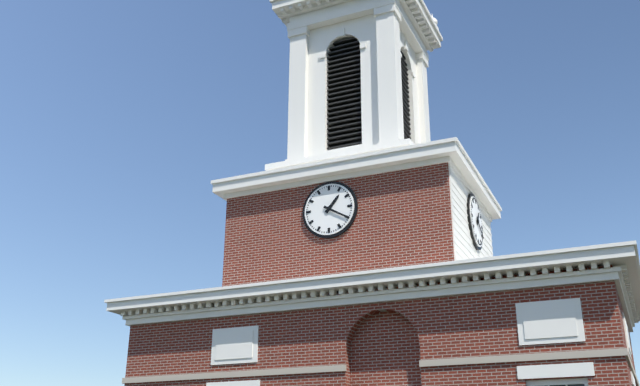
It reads 1h20
